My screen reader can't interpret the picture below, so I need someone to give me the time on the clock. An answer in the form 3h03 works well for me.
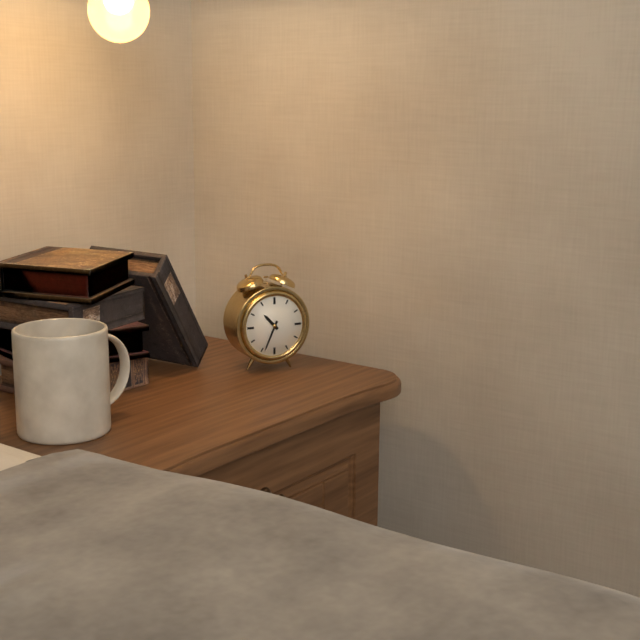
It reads 10h34
